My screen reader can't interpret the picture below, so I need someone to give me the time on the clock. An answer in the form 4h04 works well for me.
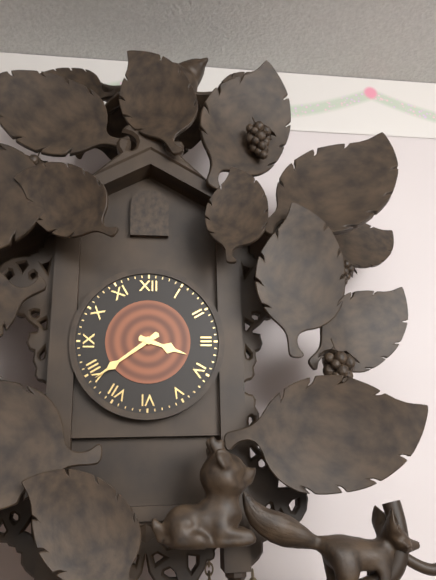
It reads 3h39
